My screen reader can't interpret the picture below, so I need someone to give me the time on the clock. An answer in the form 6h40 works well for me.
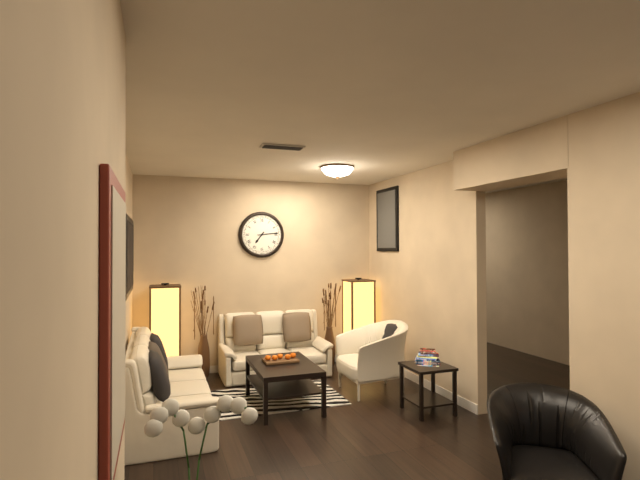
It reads 7h14
